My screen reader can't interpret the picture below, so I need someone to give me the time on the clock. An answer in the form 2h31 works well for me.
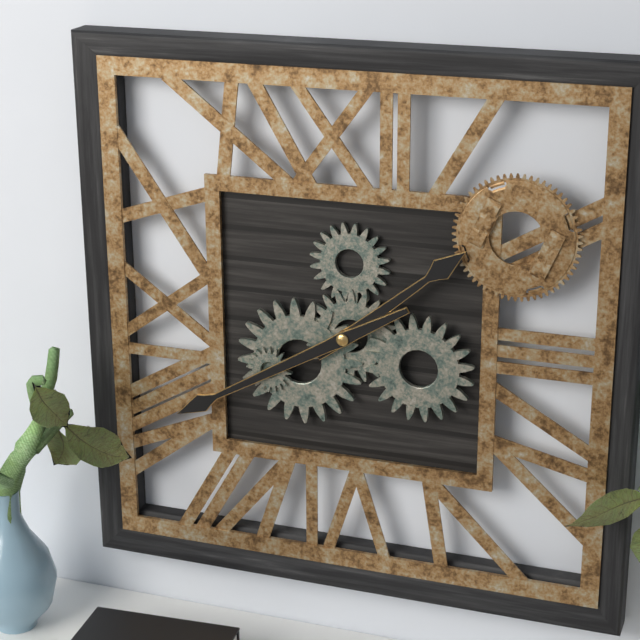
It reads 1h40
